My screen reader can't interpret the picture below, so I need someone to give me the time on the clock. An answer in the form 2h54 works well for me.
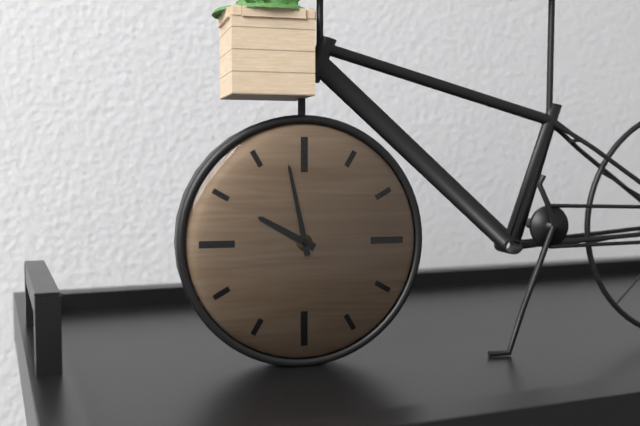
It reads 9h58
